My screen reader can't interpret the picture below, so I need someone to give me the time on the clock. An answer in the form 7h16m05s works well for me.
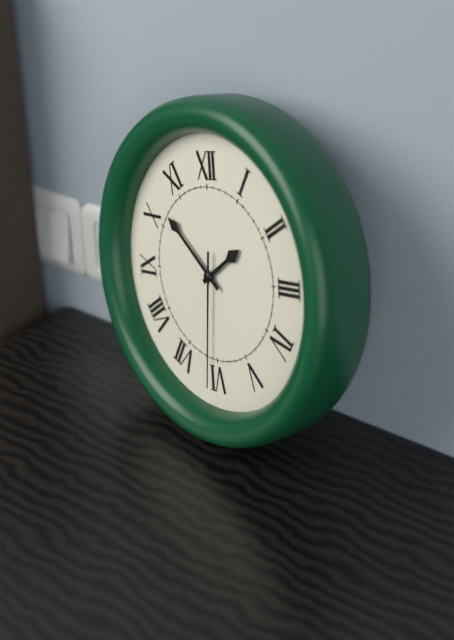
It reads 1h52m31s
